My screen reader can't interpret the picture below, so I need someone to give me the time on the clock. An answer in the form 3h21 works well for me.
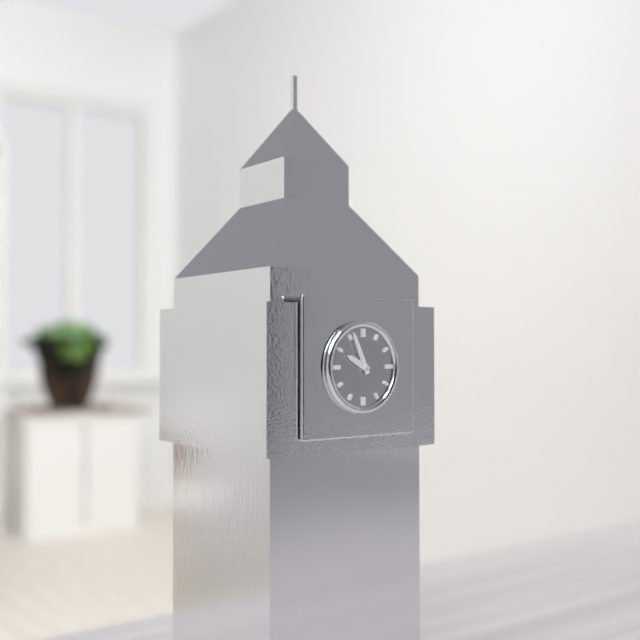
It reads 9h56
